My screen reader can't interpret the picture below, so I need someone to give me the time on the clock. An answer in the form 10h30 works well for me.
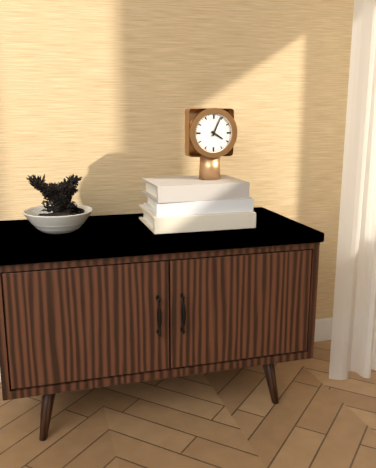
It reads 4h04
